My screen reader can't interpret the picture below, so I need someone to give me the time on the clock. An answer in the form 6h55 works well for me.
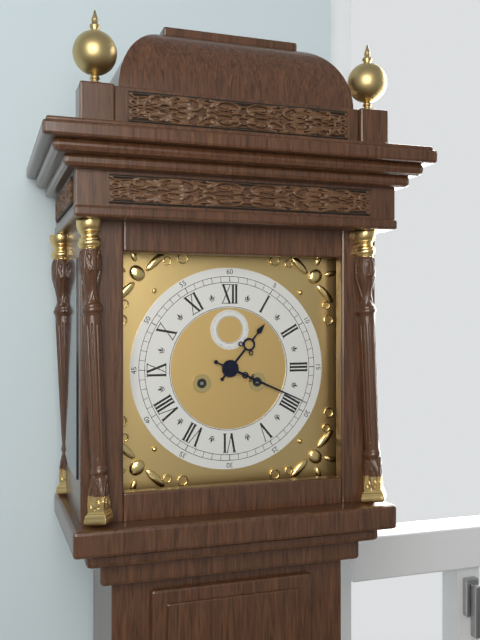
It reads 1h19
